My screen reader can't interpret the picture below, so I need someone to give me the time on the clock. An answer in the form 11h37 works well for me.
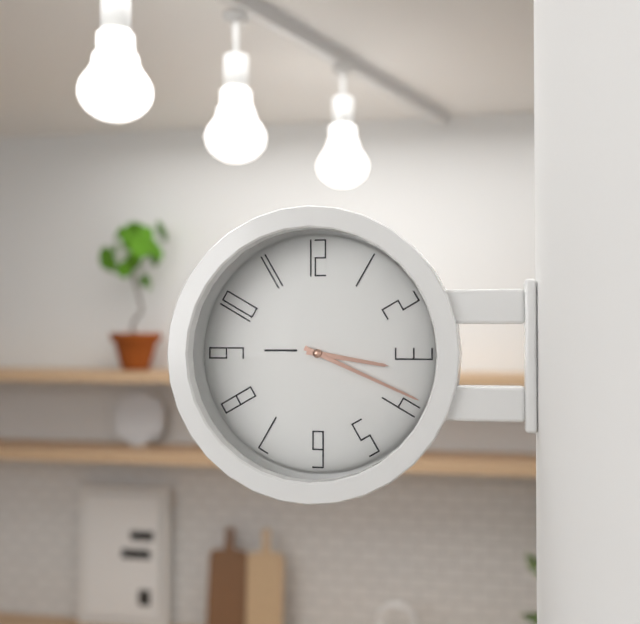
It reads 3h19
